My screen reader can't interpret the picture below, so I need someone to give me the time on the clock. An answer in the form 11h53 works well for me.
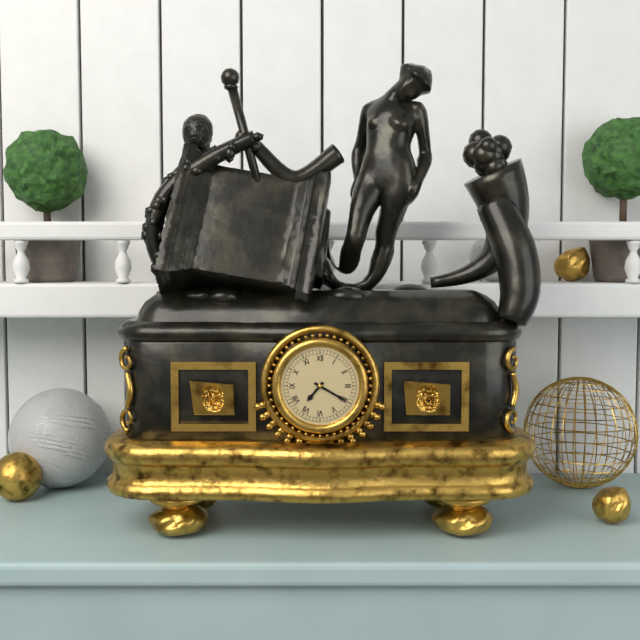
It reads 7h20
